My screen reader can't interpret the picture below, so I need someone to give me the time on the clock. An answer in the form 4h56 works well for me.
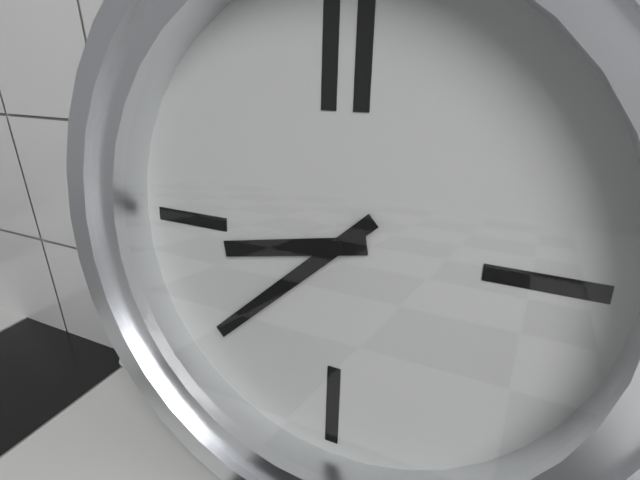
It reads 8h38
